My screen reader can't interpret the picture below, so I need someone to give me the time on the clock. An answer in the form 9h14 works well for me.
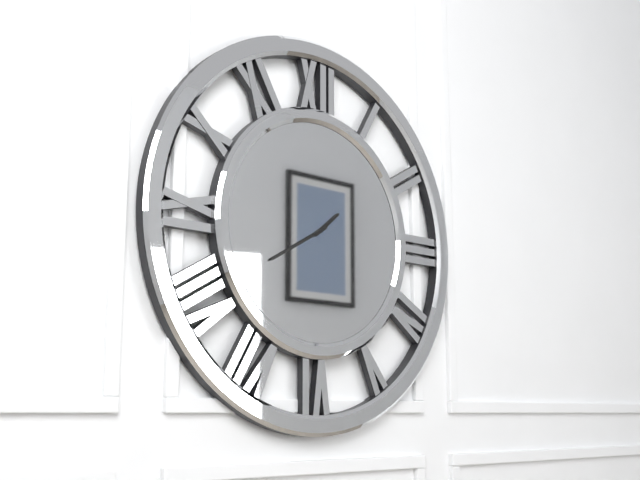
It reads 1h40
